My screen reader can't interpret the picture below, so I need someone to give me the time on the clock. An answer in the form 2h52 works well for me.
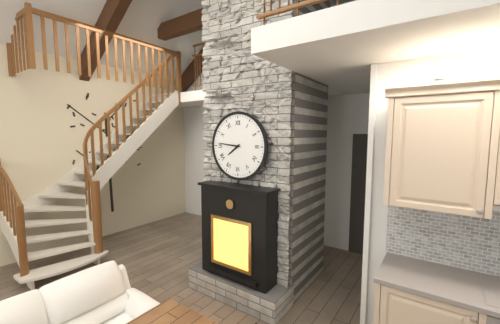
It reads 7h46
